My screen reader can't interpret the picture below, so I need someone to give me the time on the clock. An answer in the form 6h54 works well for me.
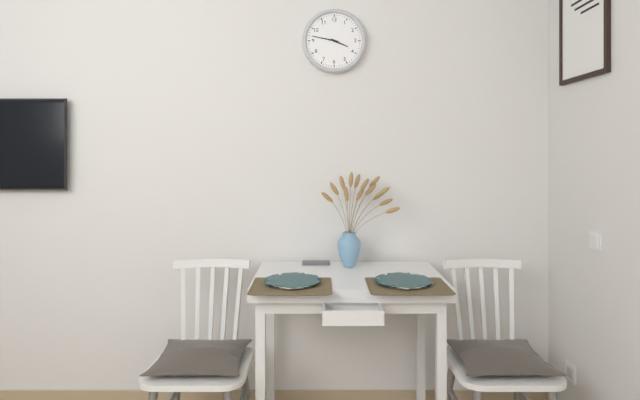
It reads 3h47
